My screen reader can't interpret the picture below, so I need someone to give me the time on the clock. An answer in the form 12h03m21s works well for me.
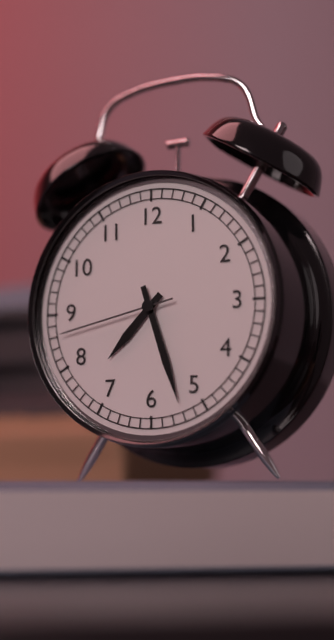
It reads 7h27m43s
